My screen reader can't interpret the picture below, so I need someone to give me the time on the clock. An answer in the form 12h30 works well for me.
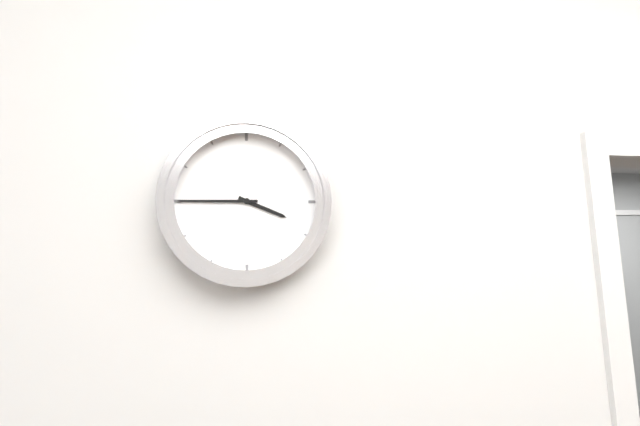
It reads 3h45
